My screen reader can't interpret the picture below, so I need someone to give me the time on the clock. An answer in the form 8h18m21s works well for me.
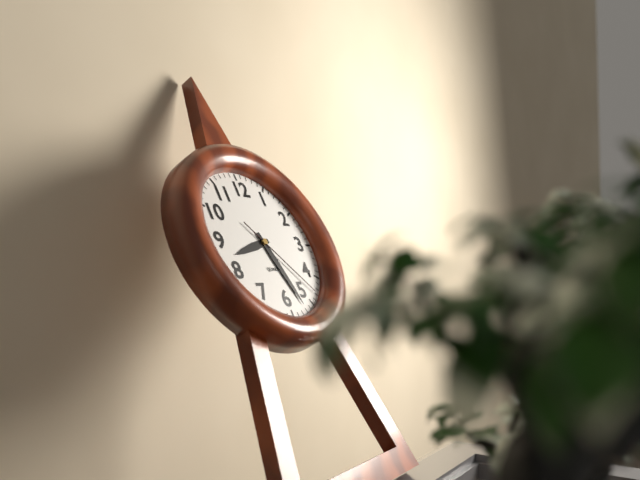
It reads 8h27m23s
